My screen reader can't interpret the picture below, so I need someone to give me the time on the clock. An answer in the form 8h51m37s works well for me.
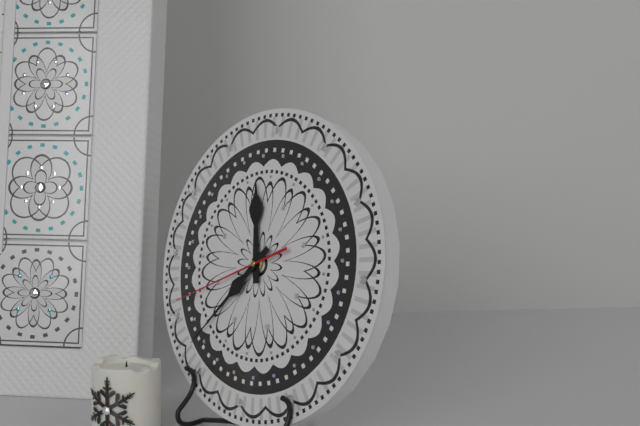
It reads 11h37m41s
